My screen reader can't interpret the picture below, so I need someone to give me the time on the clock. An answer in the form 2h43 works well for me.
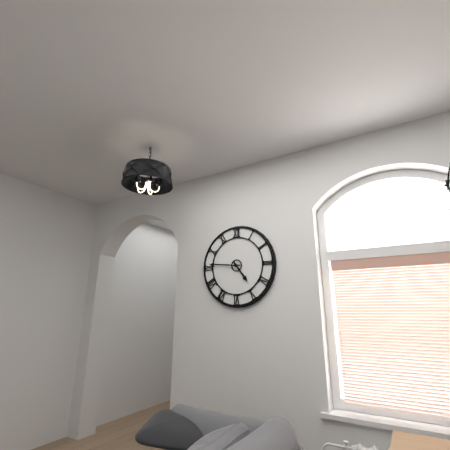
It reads 4h46
